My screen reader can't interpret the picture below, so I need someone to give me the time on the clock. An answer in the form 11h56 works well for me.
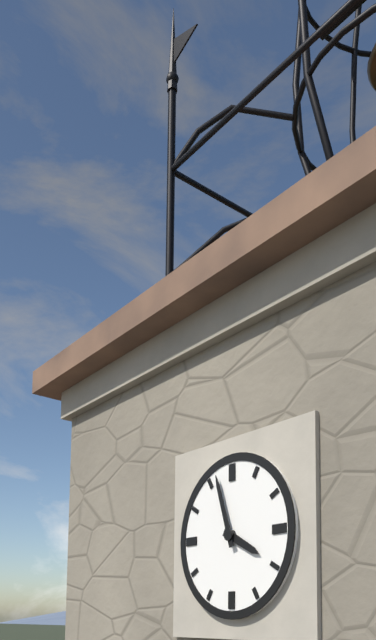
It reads 3h57
